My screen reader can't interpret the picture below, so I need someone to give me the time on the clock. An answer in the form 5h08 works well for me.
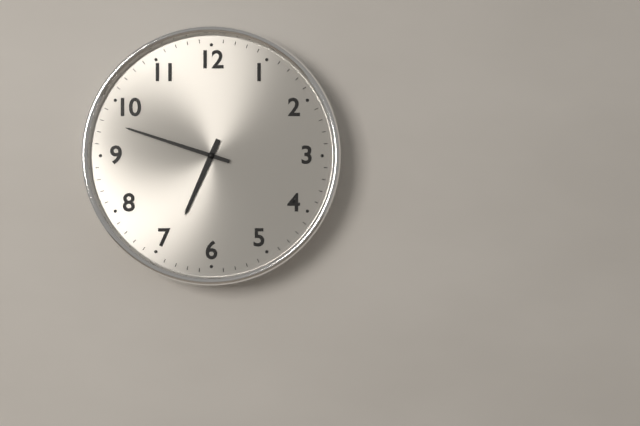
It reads 6h48
